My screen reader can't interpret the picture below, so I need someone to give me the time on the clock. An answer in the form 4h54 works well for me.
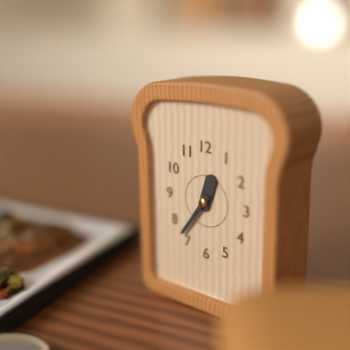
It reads 12h36
